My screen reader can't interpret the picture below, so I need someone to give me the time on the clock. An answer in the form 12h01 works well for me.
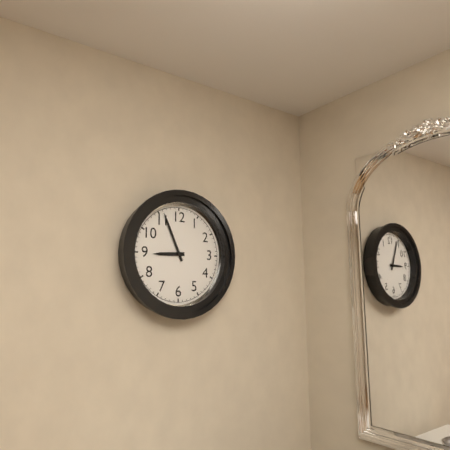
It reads 8h56
